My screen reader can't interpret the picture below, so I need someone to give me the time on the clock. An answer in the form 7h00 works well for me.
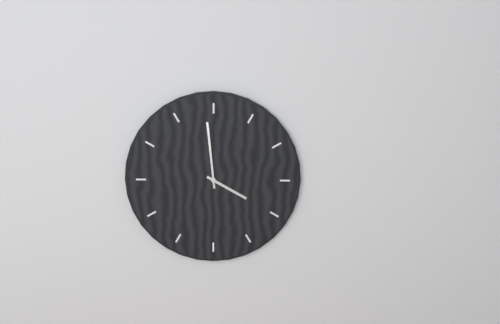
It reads 3h59
